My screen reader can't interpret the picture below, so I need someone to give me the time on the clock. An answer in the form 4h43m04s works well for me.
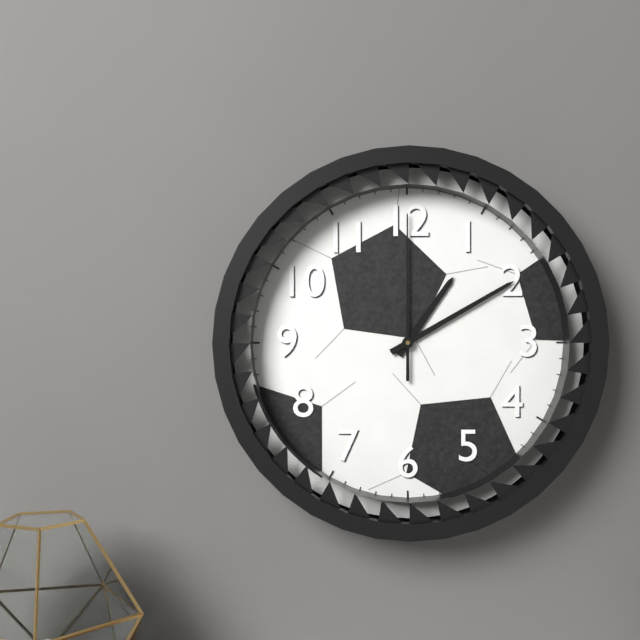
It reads 1h10m00s
